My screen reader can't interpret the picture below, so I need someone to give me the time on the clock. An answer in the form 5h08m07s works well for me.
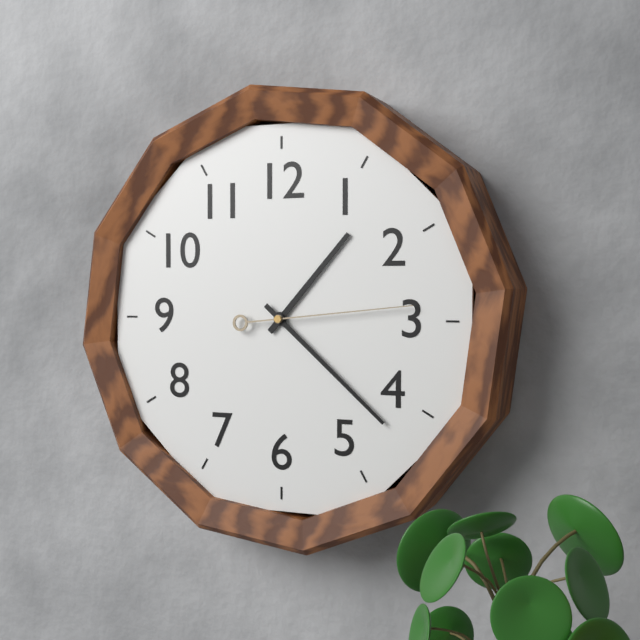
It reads 1h22m14s
